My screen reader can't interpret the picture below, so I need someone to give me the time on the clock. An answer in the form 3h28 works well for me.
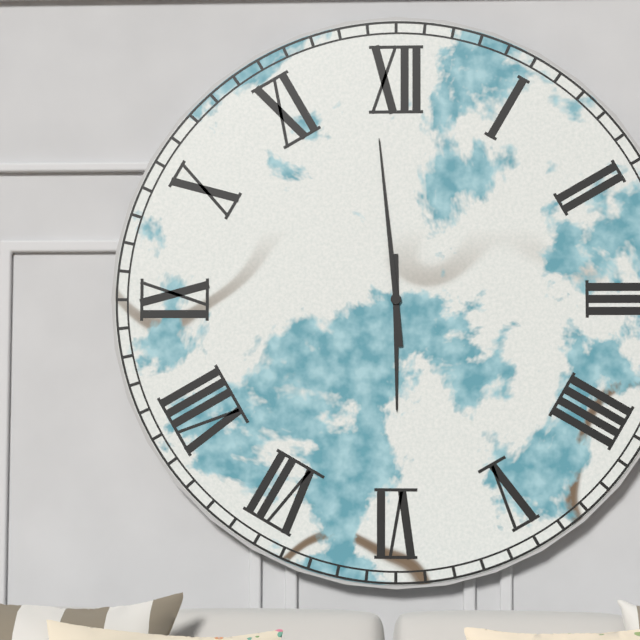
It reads 5h59
